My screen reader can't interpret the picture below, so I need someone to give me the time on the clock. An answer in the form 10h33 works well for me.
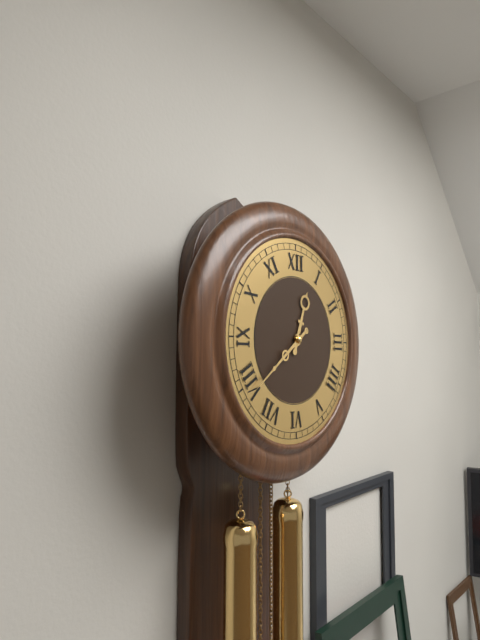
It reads 12h39
